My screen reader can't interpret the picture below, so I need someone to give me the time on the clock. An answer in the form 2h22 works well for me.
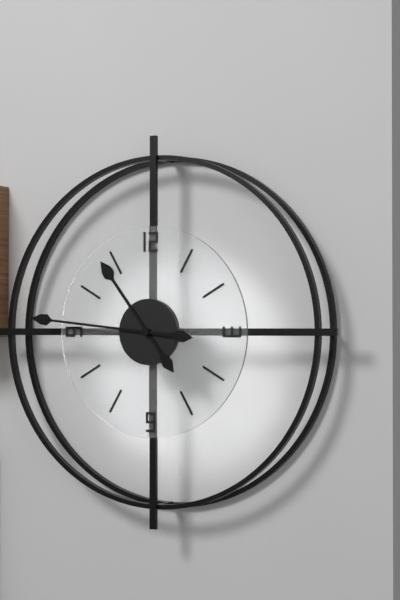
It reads 10h46
